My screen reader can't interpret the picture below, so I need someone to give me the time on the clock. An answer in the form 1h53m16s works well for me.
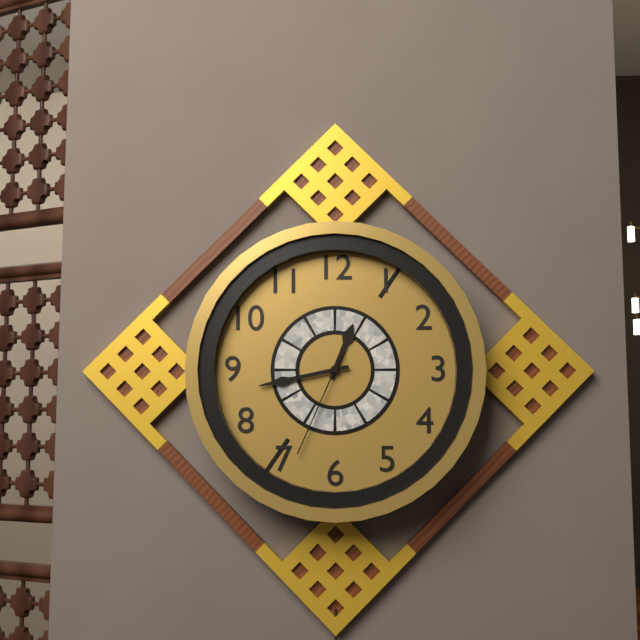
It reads 12h43m34s
